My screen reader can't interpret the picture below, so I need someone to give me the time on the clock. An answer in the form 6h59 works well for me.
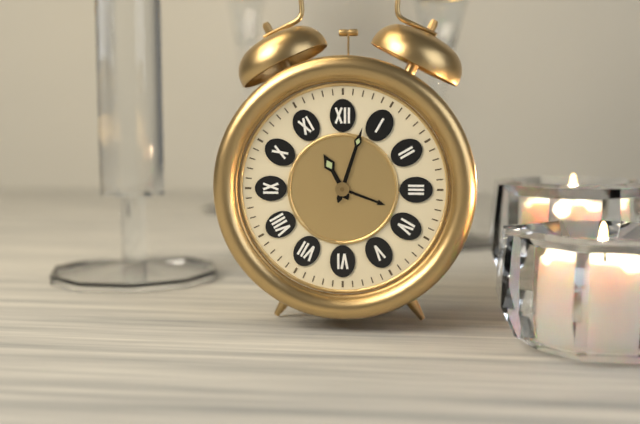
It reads 11h03
